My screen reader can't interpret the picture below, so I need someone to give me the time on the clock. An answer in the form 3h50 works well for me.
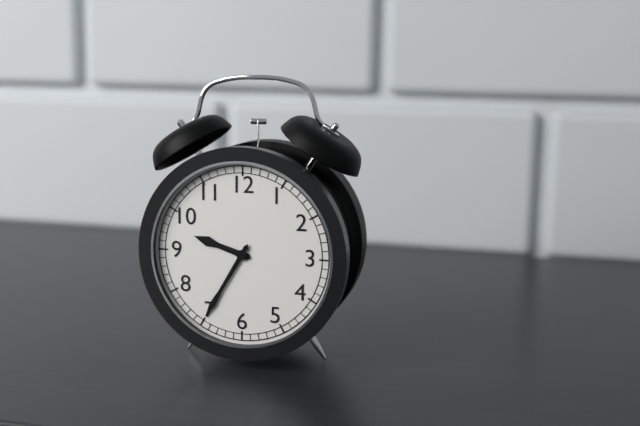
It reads 9h35
